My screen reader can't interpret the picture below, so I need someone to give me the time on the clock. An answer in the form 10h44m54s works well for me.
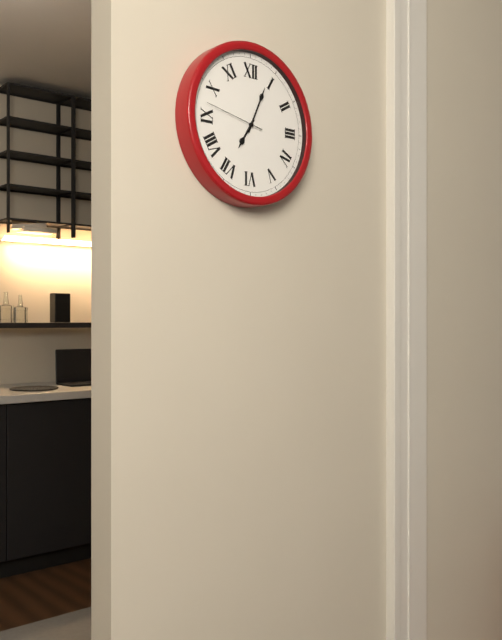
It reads 7h04m47s
